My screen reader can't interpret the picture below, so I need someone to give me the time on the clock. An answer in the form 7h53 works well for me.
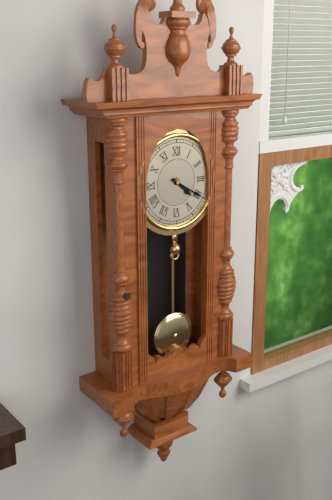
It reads 4h20
